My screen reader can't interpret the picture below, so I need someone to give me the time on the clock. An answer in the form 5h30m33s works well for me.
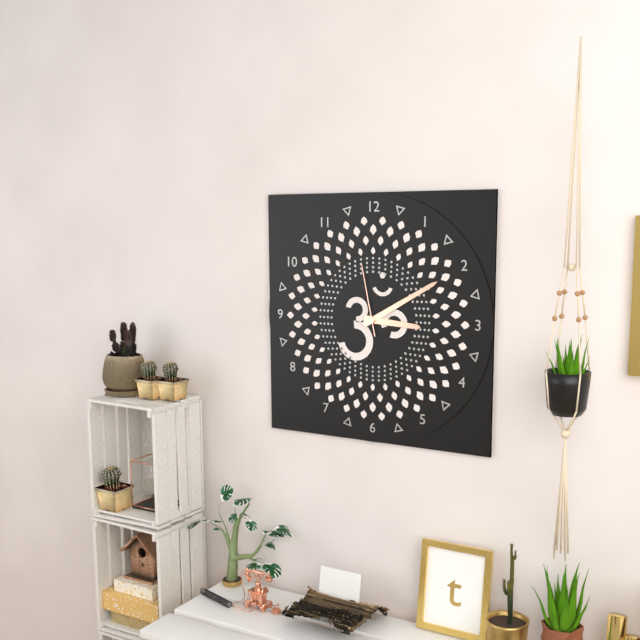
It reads 3h10m58s
